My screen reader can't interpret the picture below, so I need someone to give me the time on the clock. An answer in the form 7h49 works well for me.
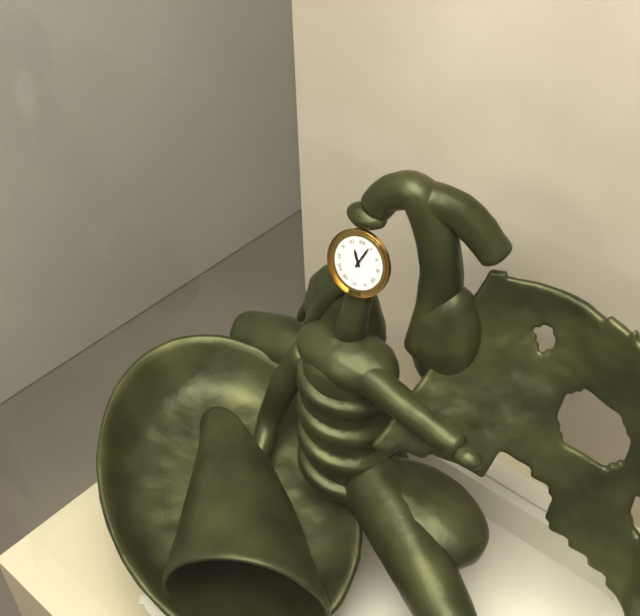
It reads 11h04
